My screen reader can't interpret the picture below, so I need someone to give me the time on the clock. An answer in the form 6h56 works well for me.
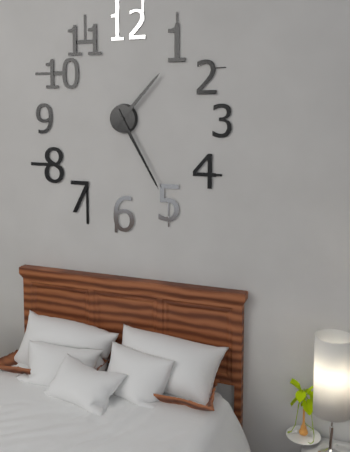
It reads 1h25
